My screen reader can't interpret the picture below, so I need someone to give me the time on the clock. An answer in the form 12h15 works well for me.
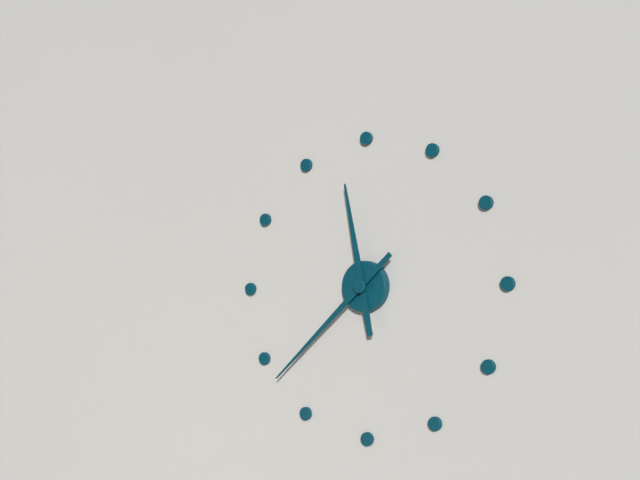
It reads 11h38
